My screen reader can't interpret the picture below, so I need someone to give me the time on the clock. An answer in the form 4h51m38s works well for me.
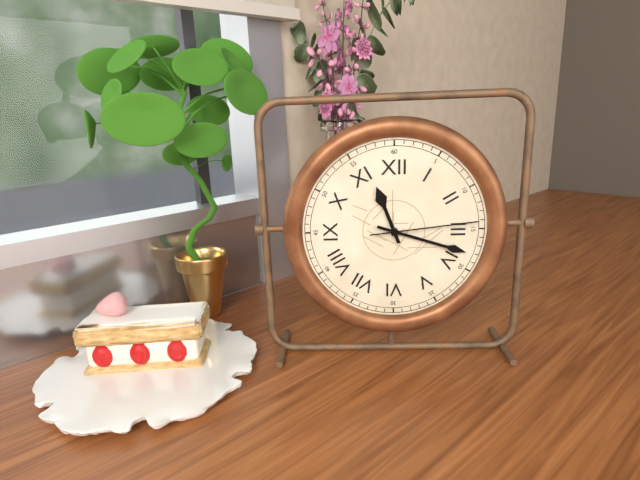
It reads 11h18m14s
